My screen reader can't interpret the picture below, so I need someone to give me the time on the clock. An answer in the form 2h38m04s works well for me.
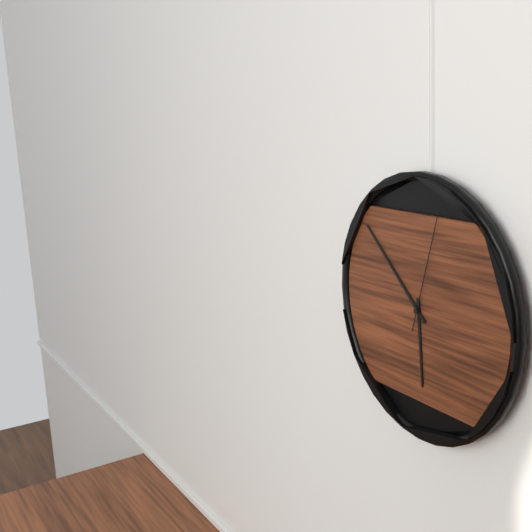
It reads 5h52m03s
